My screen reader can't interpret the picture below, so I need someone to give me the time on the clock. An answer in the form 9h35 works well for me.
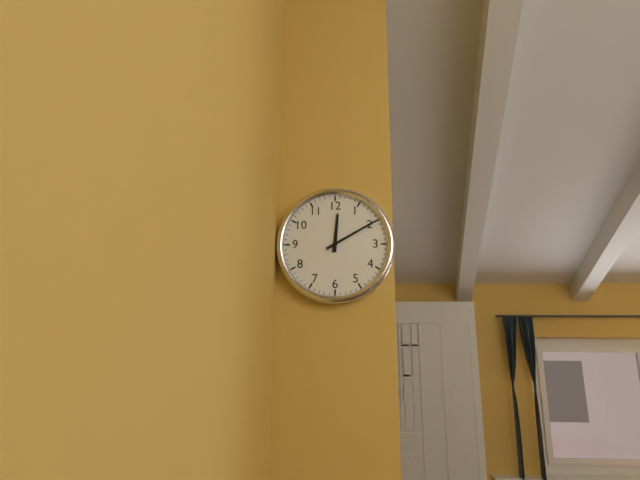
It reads 12h10
